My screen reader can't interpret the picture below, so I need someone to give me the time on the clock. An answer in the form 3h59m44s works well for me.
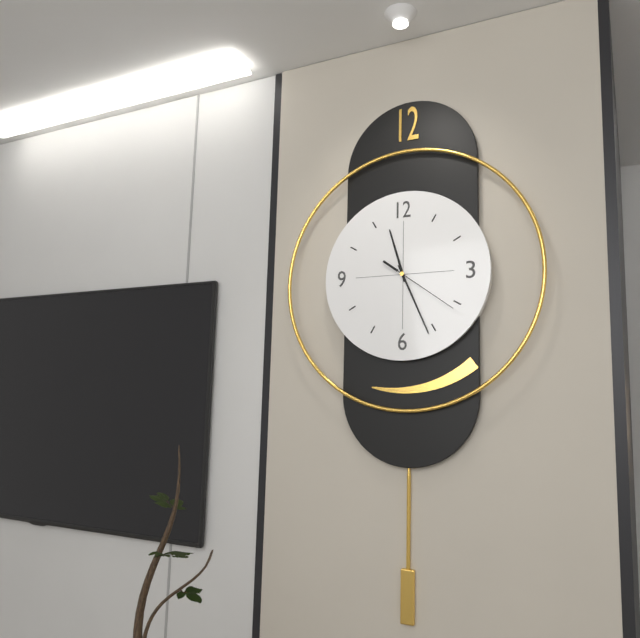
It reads 11h26m21s
